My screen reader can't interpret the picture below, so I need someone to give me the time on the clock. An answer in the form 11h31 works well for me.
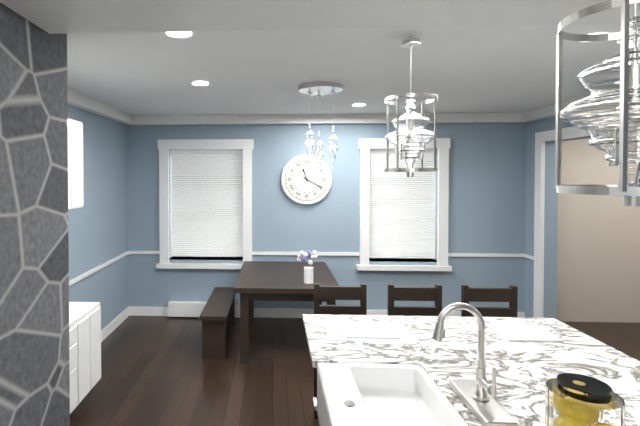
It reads 11h20
